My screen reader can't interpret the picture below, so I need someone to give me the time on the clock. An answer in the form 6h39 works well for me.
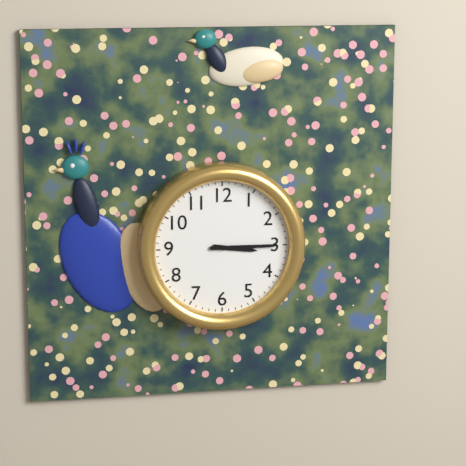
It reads 3h15
